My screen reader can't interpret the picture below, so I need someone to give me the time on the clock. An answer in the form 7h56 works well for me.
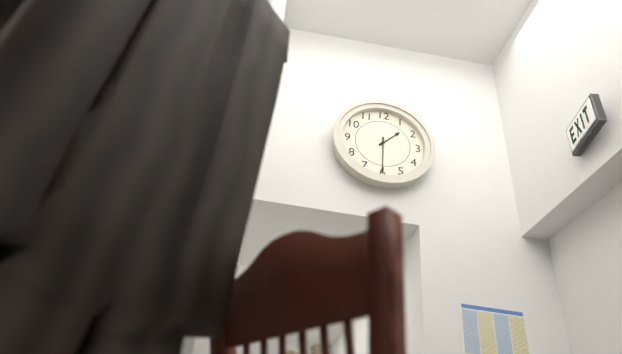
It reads 1h30
